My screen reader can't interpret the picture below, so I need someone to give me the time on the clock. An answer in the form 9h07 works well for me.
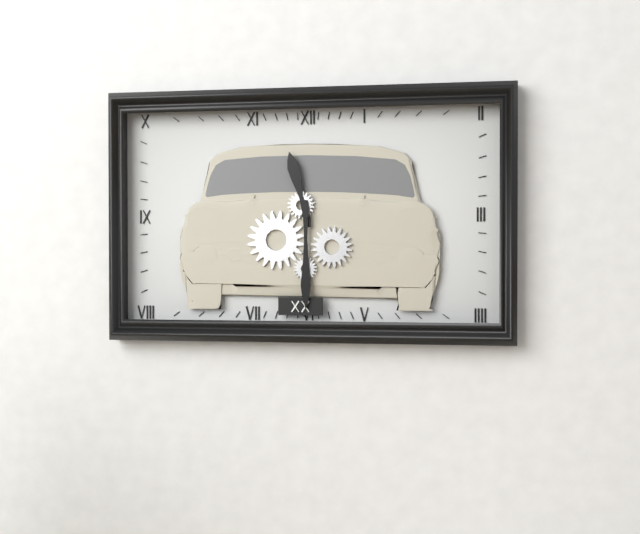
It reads 11h30
